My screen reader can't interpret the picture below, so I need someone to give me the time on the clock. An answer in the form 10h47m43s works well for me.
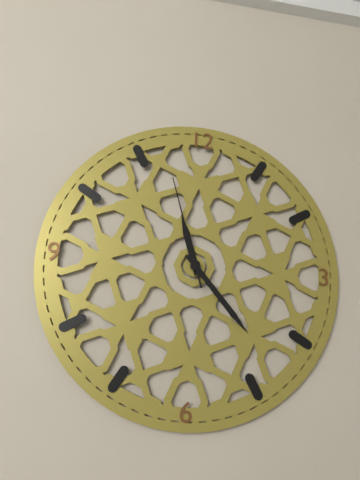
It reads 11h23m57s
